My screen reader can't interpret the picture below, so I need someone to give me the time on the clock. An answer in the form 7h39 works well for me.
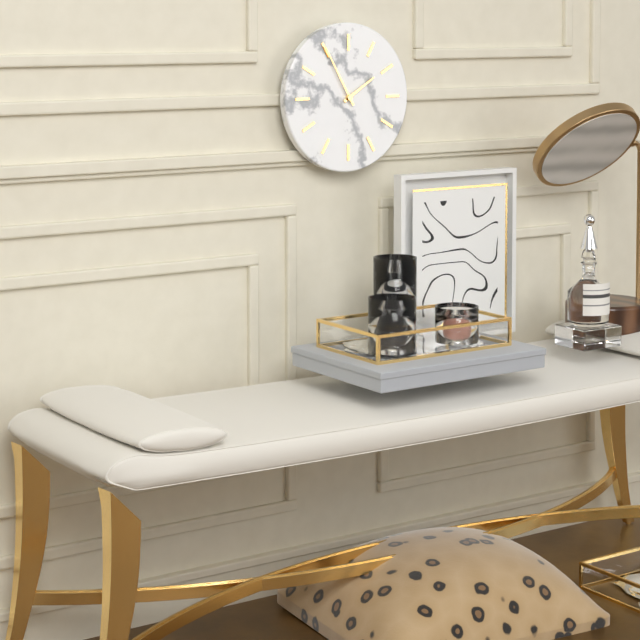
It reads 1h55
